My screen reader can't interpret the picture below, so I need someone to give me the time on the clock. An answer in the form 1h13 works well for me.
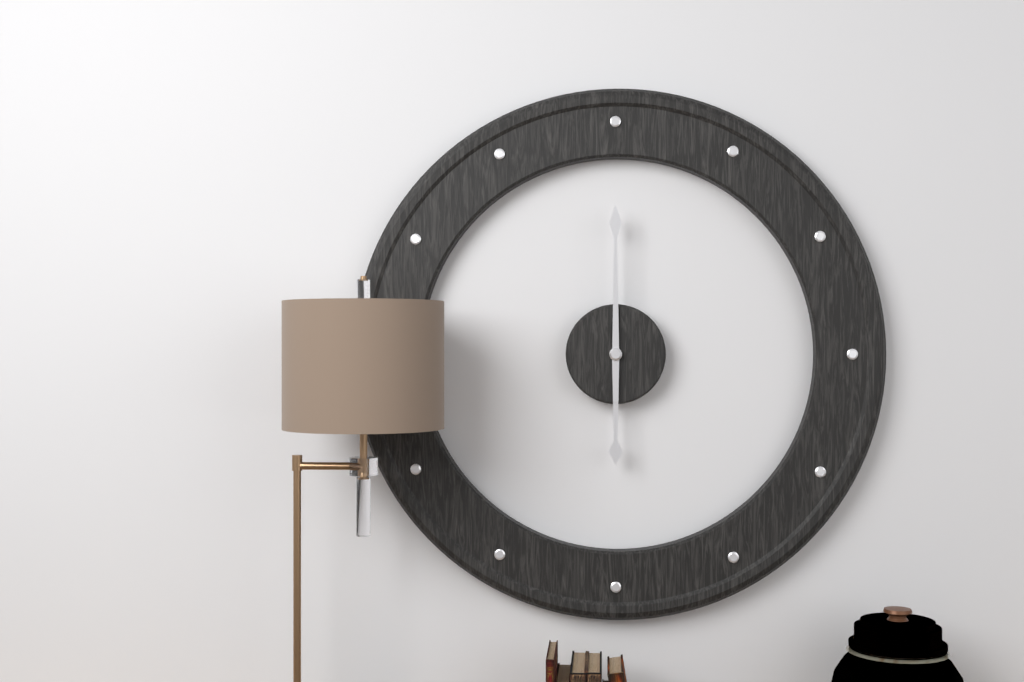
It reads 6h00
